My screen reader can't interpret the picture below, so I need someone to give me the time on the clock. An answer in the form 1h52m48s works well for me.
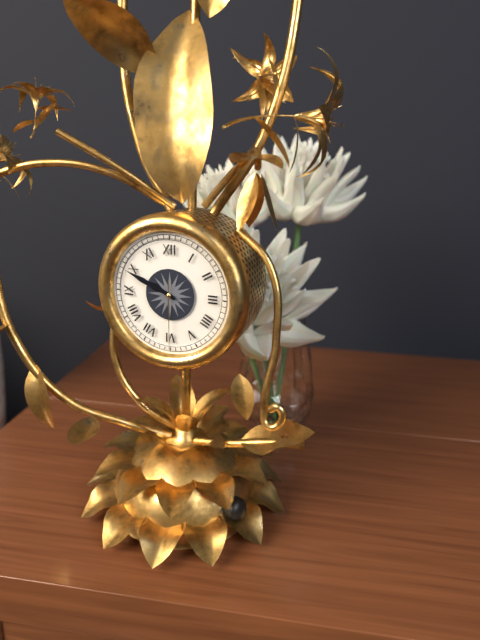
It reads 9h49m30s
